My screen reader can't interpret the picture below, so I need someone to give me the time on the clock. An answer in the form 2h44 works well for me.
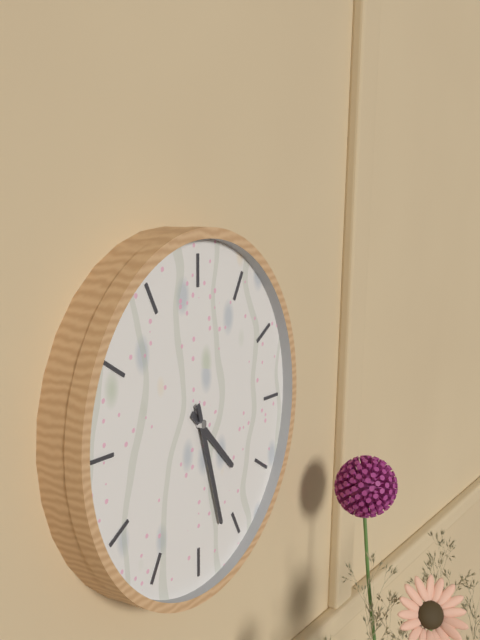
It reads 4h27
